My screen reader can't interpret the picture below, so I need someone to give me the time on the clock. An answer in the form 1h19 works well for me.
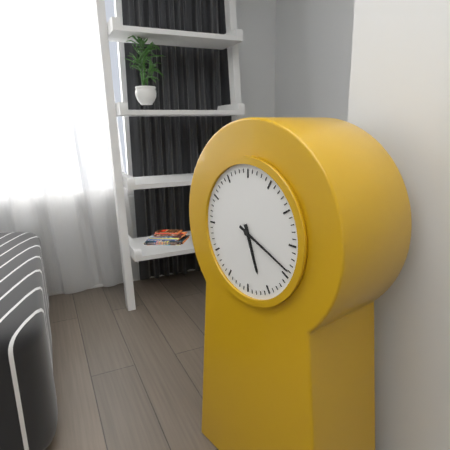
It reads 5h19
